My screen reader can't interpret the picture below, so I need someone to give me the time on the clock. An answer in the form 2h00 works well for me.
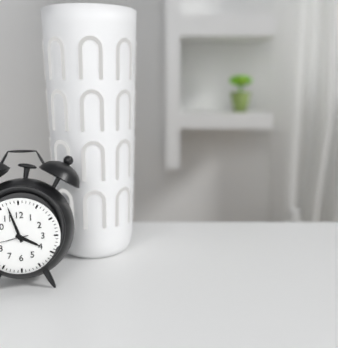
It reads 3h57
